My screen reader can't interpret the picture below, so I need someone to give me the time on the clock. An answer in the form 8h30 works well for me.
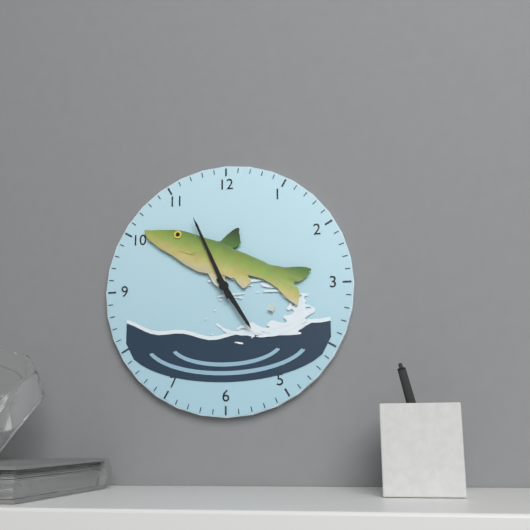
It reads 4h56
